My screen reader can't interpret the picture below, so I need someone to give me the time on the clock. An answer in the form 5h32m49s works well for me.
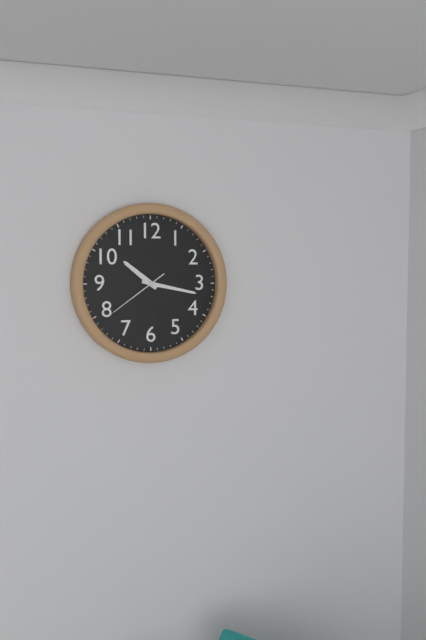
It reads 10h17m39s
